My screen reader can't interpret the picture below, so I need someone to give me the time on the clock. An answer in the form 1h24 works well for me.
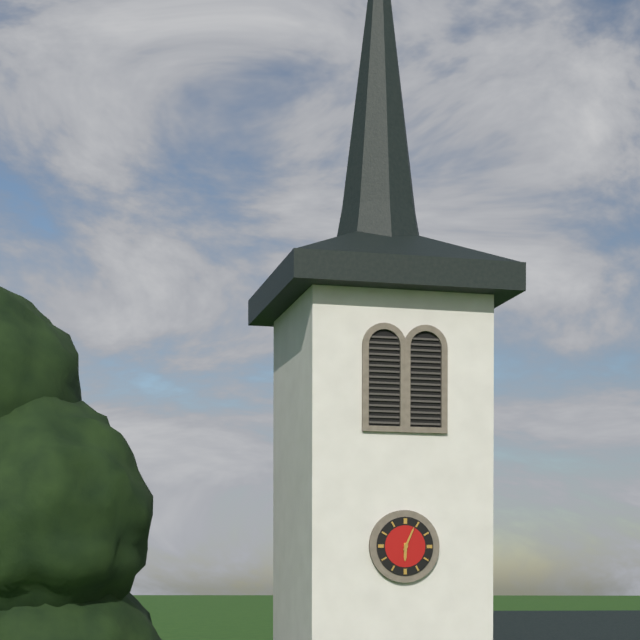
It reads 6h04
